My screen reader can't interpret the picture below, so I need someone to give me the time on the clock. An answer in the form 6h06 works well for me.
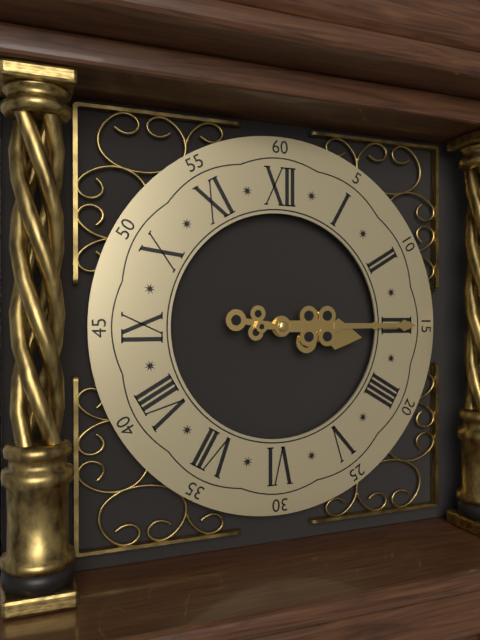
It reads 3h15
